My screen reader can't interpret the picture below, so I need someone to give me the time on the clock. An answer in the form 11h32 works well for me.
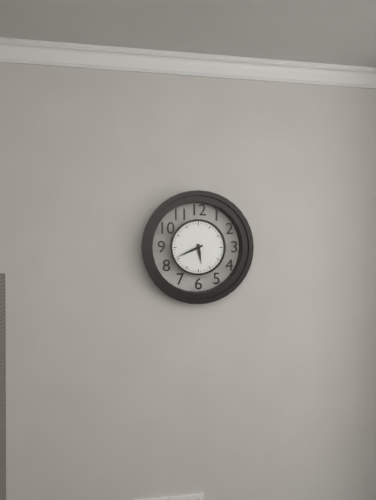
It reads 5h41
